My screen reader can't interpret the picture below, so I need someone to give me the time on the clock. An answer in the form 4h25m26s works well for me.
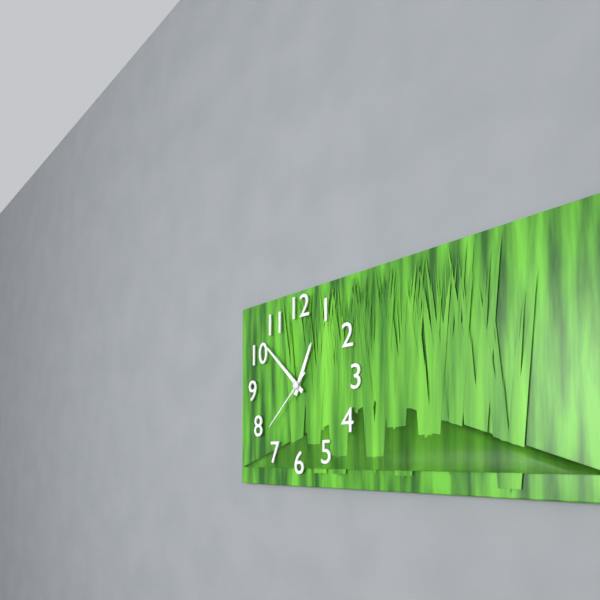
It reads 12h52m38s
